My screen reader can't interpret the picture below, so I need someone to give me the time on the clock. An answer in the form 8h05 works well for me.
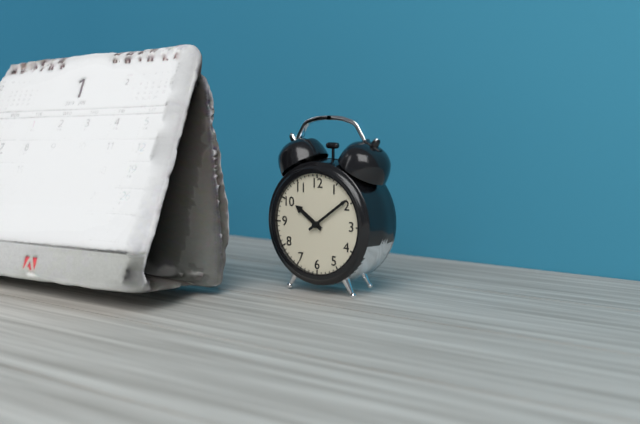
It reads 10h09
